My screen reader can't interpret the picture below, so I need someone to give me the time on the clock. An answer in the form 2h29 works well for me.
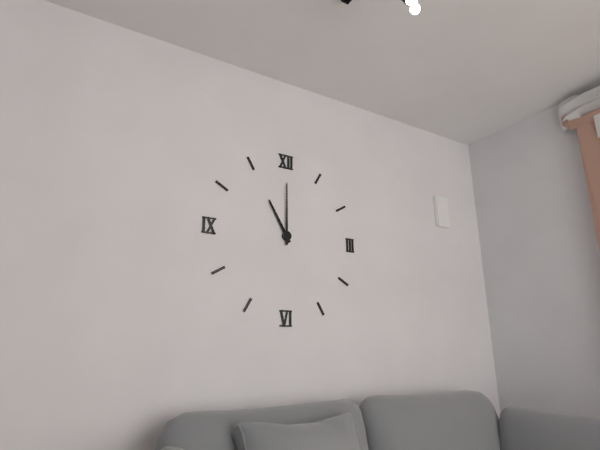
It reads 11h00
